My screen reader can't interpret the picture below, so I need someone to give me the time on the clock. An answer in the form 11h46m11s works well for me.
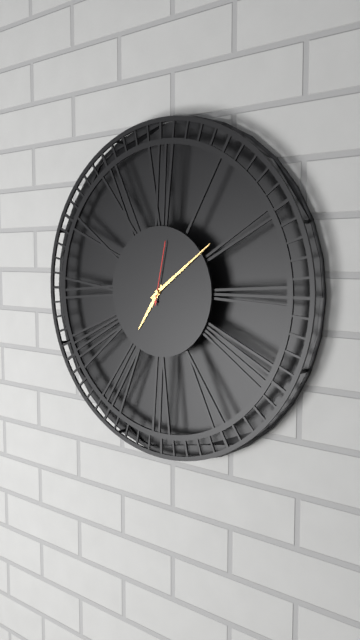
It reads 7h09m02s
